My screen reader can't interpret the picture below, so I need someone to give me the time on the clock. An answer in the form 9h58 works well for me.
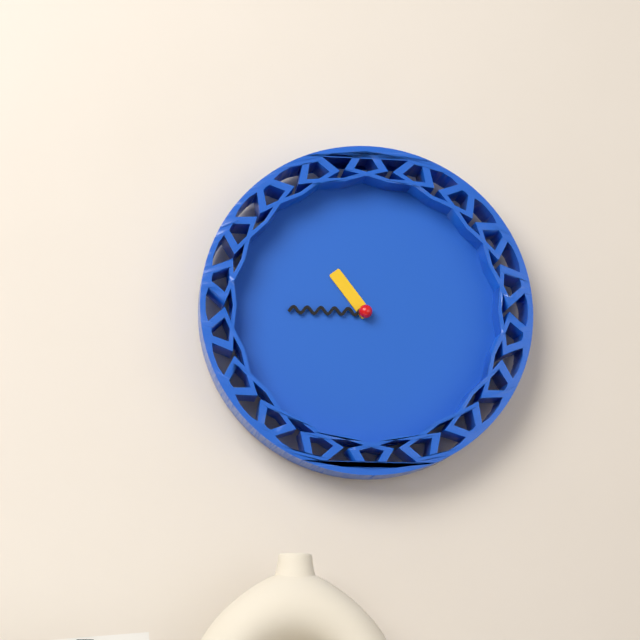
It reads 10h45
